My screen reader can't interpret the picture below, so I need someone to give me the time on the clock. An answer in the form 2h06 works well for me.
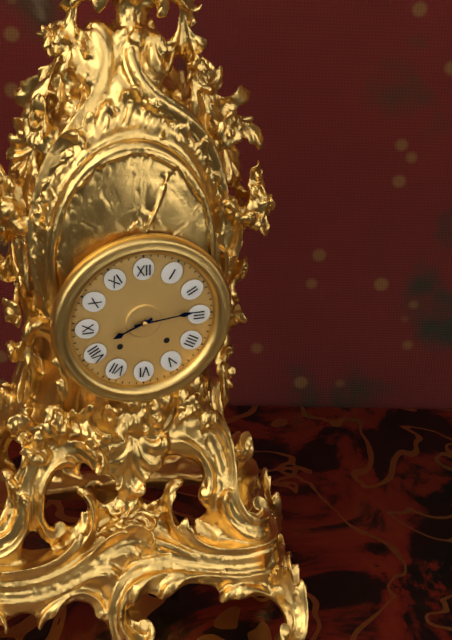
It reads 8h14
